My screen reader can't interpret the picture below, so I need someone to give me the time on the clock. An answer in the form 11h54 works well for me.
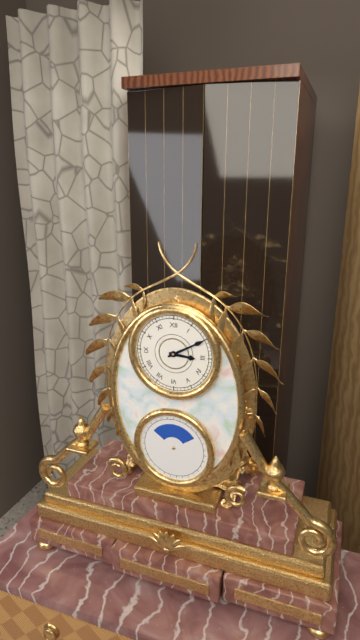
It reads 3h10
